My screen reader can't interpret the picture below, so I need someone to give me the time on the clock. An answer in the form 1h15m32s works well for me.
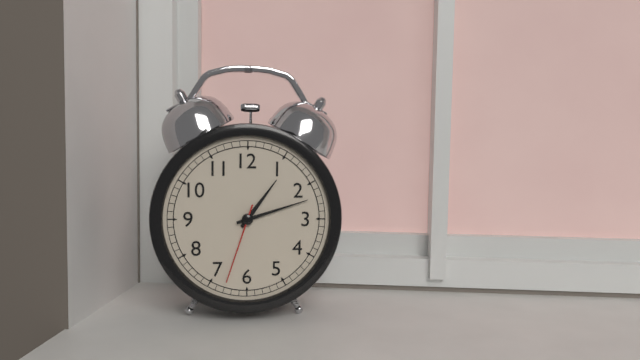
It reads 1h12m33s
